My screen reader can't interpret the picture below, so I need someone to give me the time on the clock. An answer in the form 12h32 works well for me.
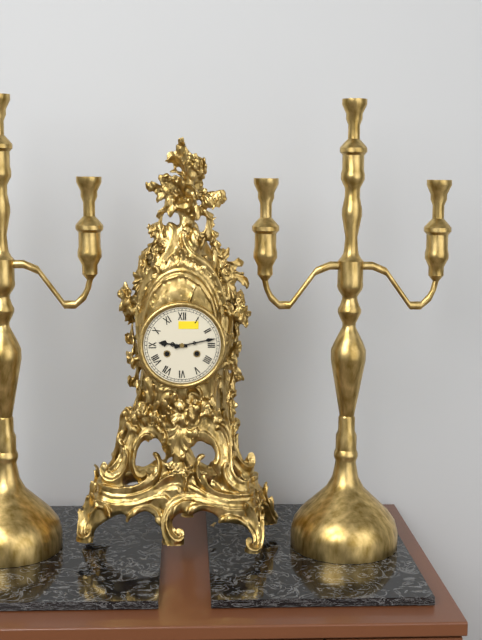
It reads 9h13
